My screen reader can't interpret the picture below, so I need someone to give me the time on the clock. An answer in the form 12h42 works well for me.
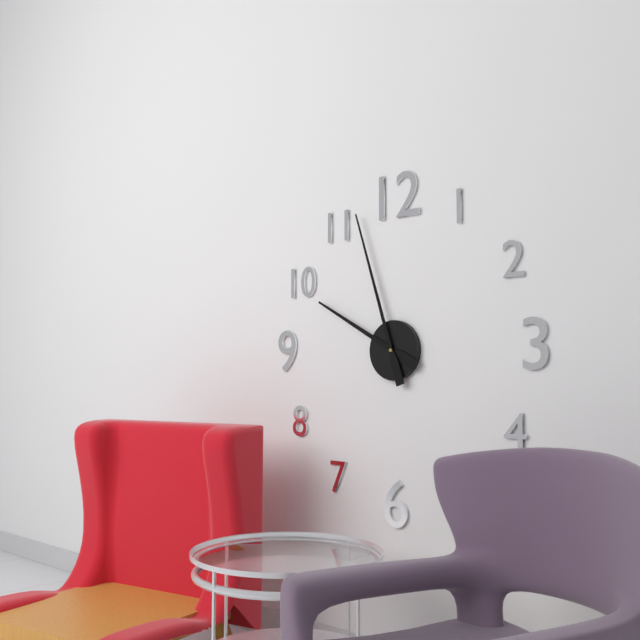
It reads 9h57
